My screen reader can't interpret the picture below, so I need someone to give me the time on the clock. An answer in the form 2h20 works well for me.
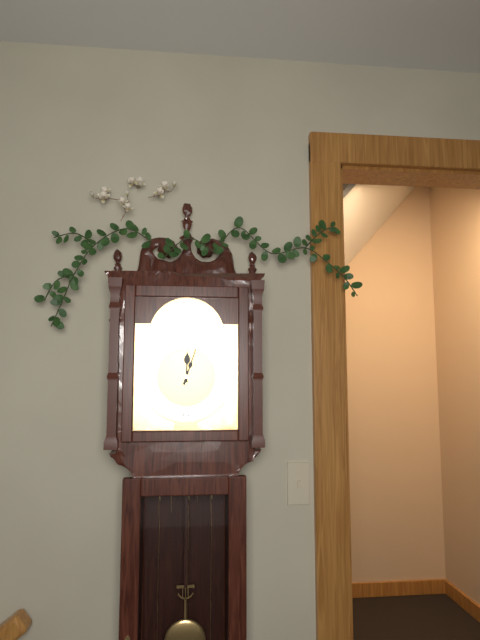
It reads 12h03
